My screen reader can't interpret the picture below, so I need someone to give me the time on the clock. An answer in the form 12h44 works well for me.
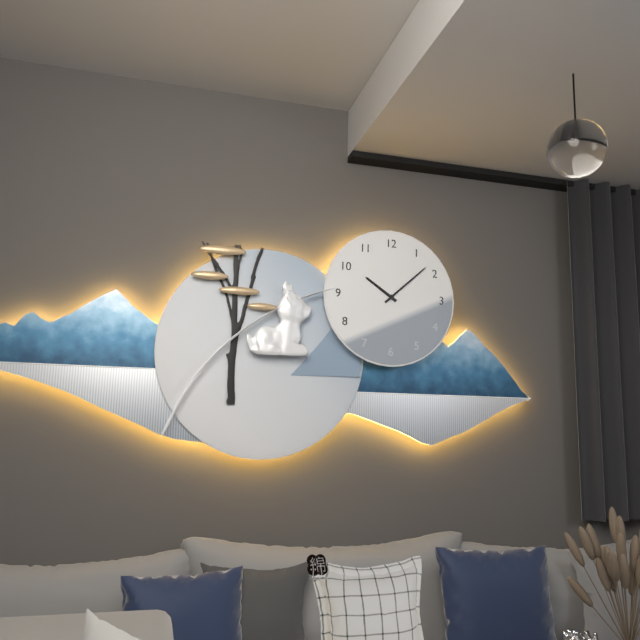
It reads 10h08
